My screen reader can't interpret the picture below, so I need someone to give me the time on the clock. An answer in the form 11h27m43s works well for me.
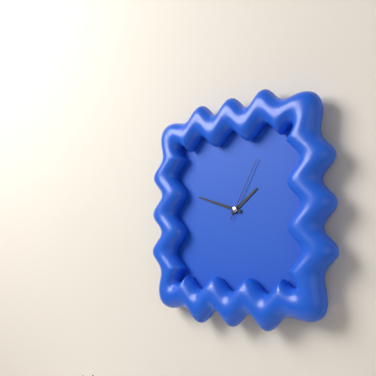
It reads 1h48m05s
